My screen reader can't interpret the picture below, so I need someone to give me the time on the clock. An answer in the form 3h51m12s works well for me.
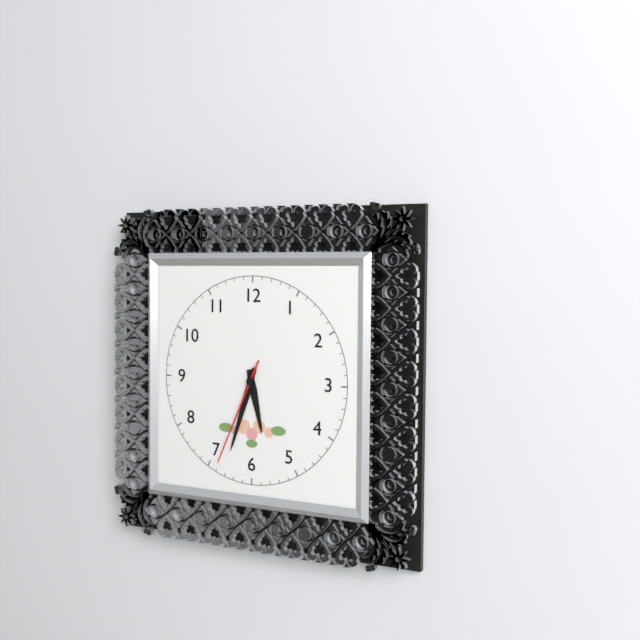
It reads 5h33m34s
